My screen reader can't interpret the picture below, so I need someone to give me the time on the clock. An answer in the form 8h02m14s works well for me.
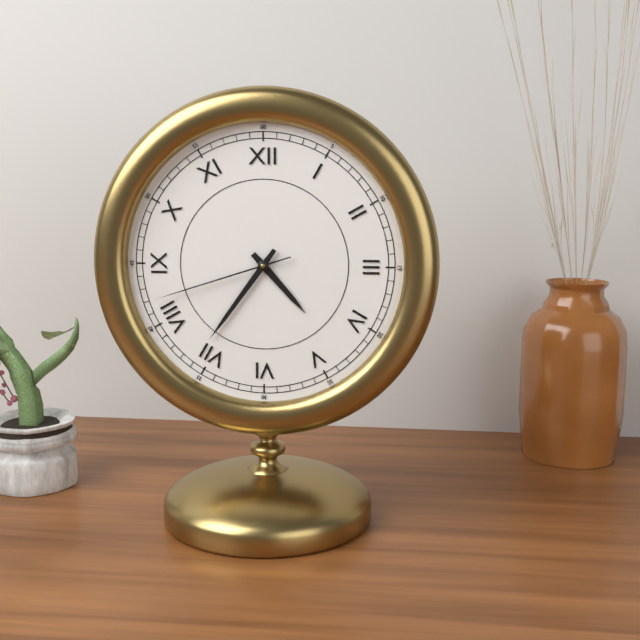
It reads 4h36m42s
